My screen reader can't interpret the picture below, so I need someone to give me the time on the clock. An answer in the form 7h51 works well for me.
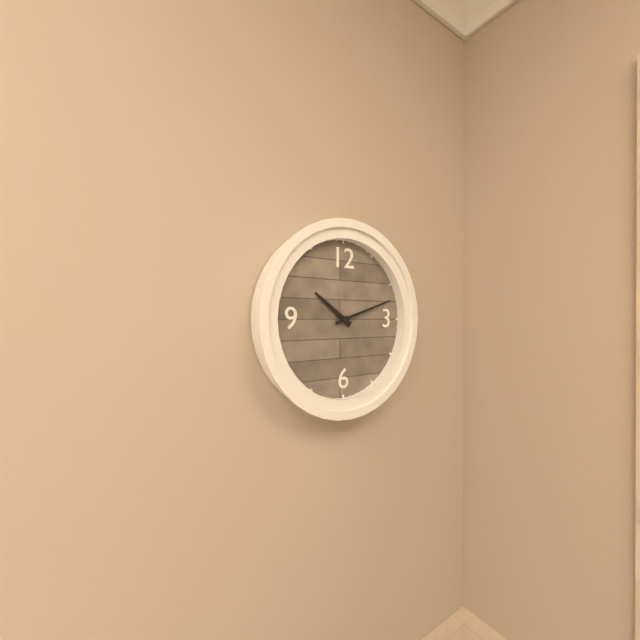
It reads 10h12
